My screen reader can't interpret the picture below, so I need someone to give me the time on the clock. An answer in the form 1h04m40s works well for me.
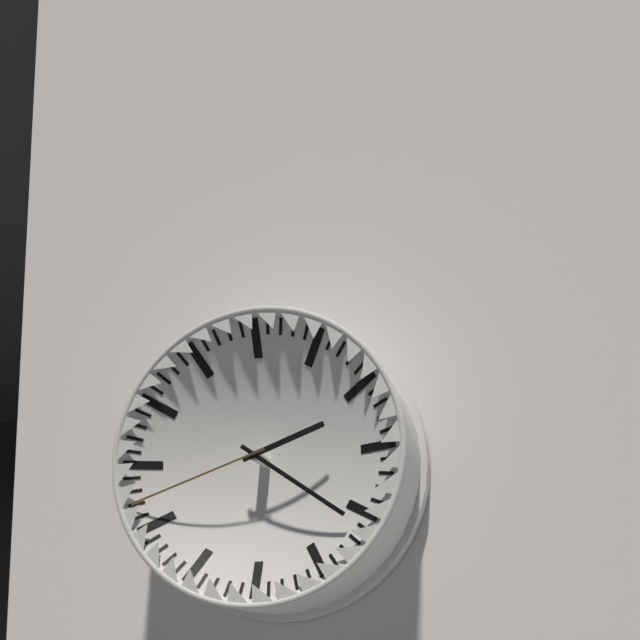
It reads 2h21m42s
